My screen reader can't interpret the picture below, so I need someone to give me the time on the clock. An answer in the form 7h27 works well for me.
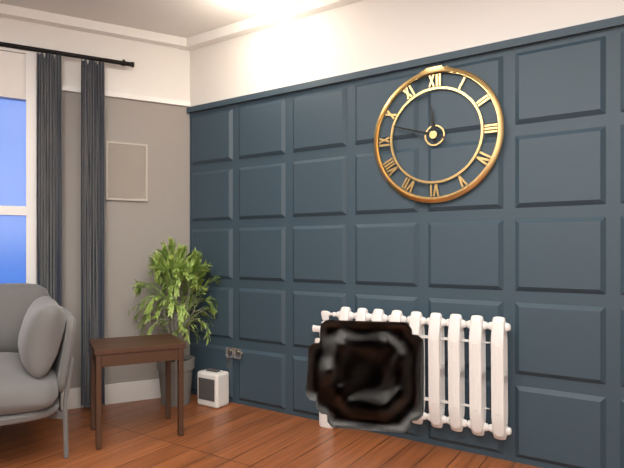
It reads 11h48
